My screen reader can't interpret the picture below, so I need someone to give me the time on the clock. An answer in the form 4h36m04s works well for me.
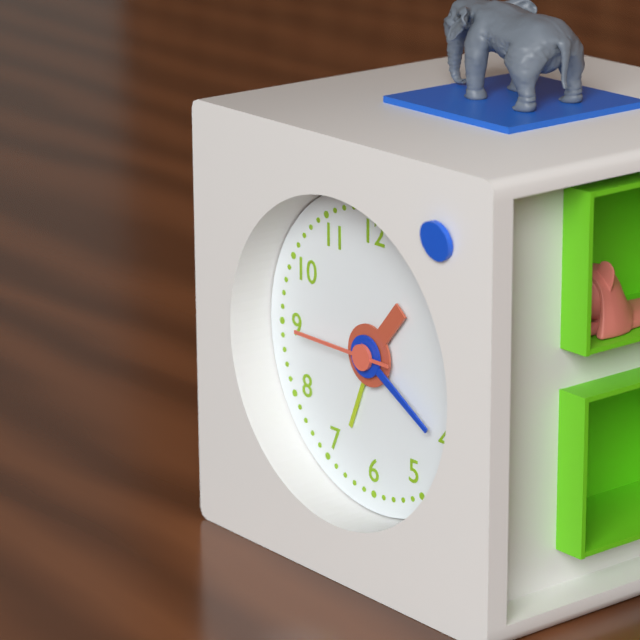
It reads 1h20m45s
